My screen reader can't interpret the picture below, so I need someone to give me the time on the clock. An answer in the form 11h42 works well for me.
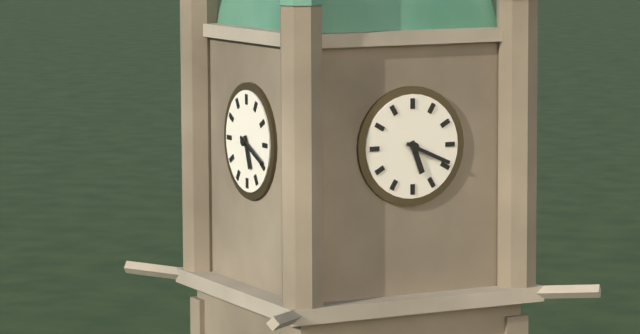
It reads 5h19
